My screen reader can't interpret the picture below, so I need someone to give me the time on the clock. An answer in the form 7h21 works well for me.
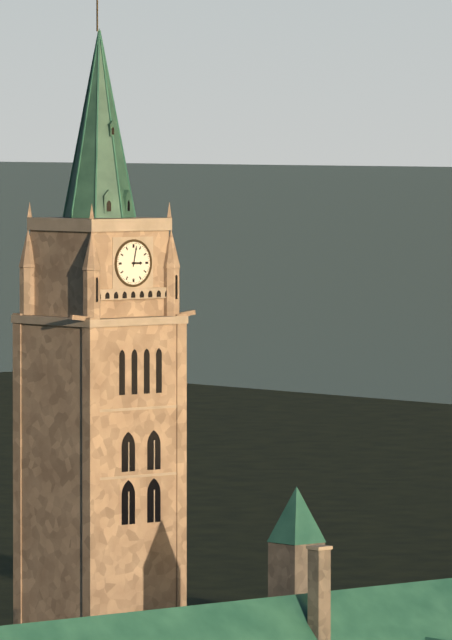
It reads 3h02
